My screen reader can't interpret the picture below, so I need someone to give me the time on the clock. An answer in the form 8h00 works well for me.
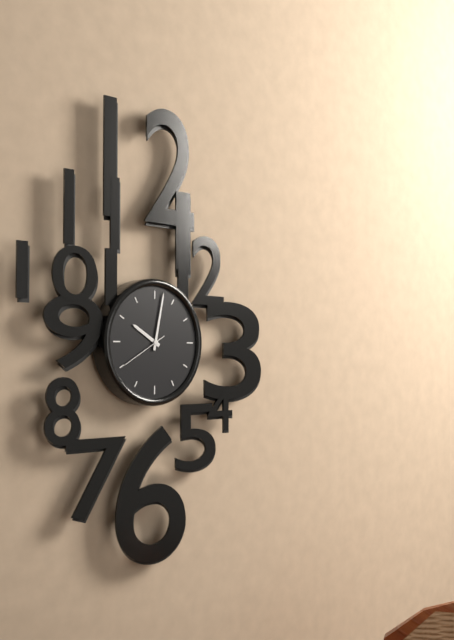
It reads 10h02
